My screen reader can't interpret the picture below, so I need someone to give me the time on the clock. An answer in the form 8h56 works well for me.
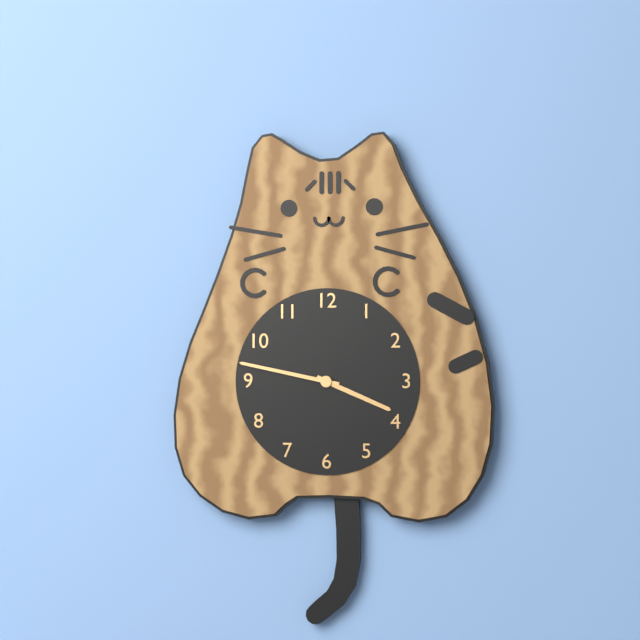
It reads 3h47
